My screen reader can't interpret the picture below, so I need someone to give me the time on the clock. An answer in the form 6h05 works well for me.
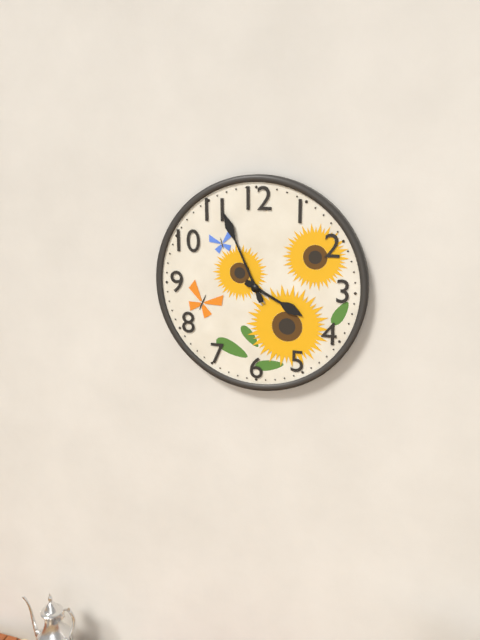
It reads 3h56
